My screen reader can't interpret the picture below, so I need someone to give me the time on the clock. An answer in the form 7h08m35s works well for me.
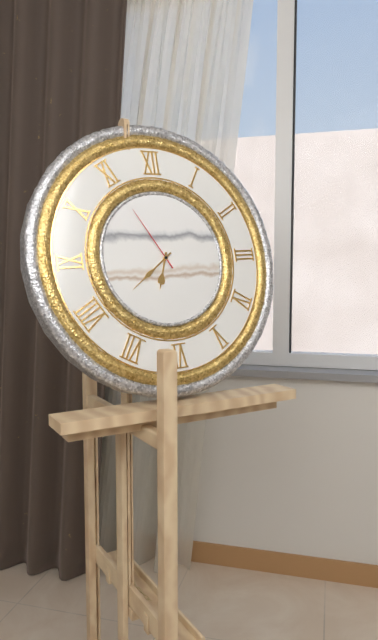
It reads 6h39m55s
